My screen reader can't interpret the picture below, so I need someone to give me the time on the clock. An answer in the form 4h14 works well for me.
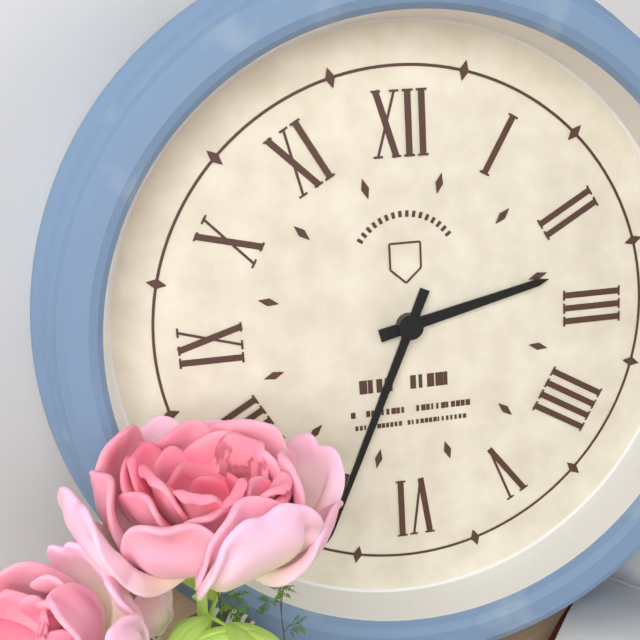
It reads 2h34
